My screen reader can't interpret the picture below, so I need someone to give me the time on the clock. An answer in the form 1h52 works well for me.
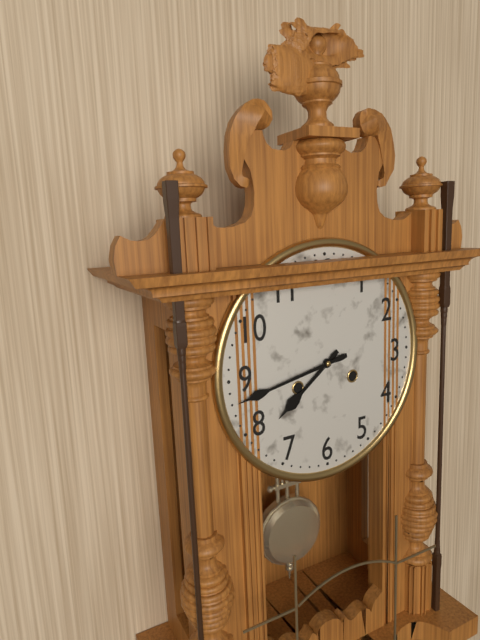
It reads 7h43
